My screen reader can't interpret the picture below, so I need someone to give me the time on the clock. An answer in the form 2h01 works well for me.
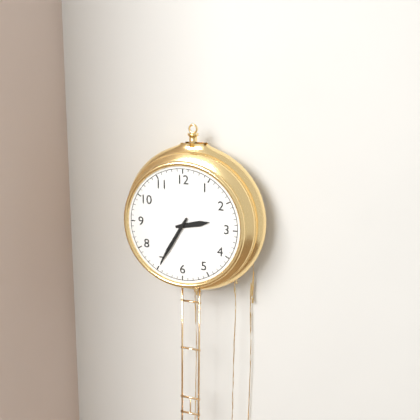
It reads 2h35
